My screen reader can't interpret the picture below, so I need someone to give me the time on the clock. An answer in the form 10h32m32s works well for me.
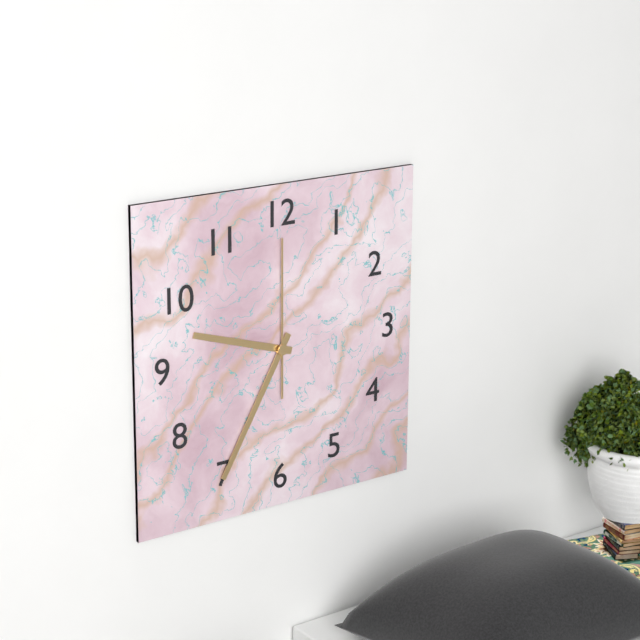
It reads 9h35m00s
